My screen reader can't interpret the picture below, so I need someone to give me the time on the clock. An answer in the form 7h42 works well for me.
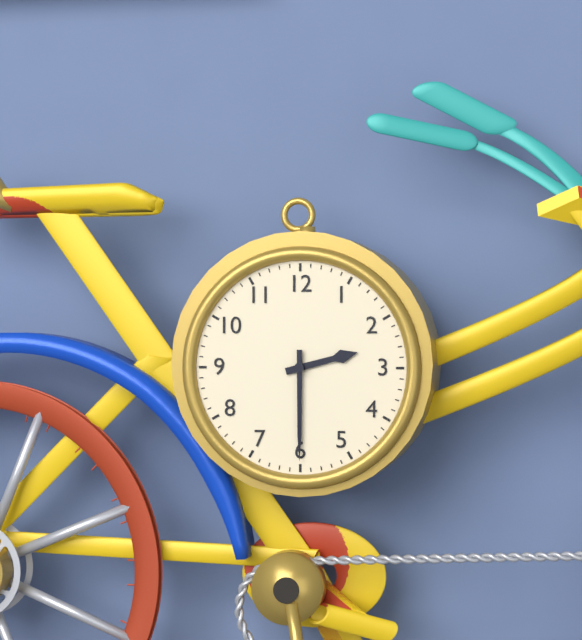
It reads 2h30
